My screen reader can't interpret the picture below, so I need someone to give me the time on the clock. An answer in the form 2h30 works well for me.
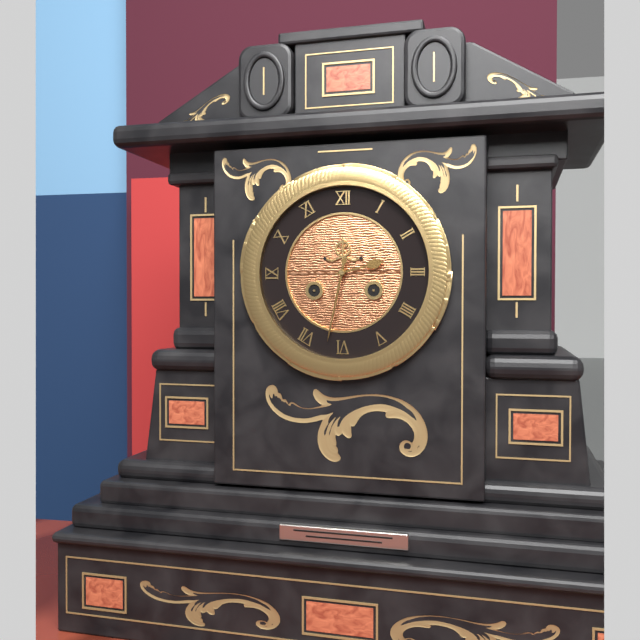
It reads 2h32
